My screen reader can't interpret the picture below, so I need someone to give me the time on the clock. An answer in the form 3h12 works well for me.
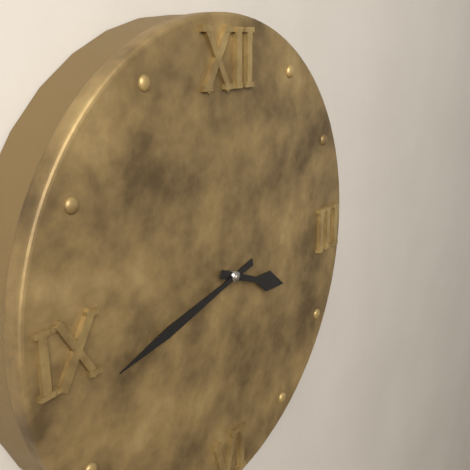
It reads 3h43
